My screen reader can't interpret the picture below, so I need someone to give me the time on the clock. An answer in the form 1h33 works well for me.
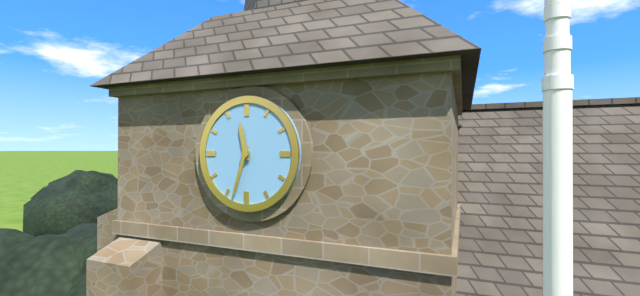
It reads 11h33
